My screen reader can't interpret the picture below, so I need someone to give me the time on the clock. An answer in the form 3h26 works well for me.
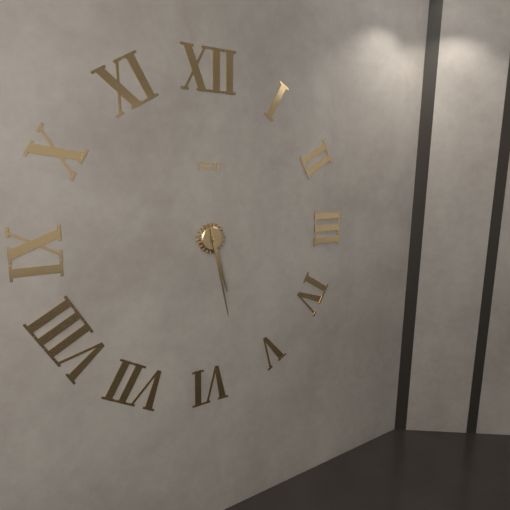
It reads 5h28
